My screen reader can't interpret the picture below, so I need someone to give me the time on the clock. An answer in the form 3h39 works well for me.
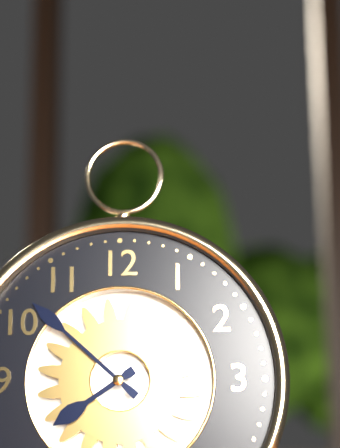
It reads 7h52
